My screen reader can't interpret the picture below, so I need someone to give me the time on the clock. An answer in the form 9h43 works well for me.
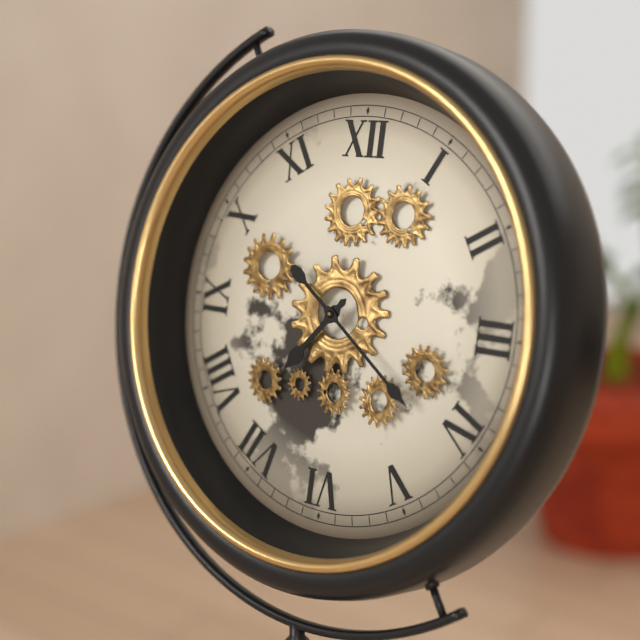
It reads 7h21
